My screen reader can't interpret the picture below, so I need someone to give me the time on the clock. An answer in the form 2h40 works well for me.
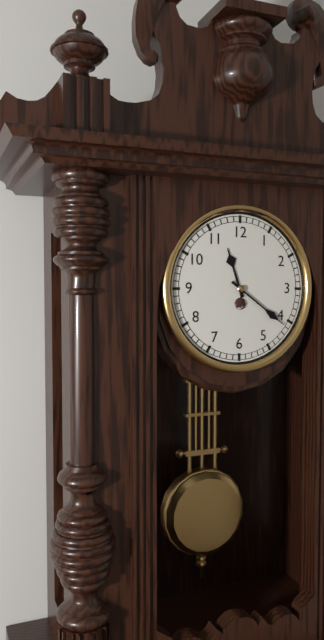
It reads 11h21
